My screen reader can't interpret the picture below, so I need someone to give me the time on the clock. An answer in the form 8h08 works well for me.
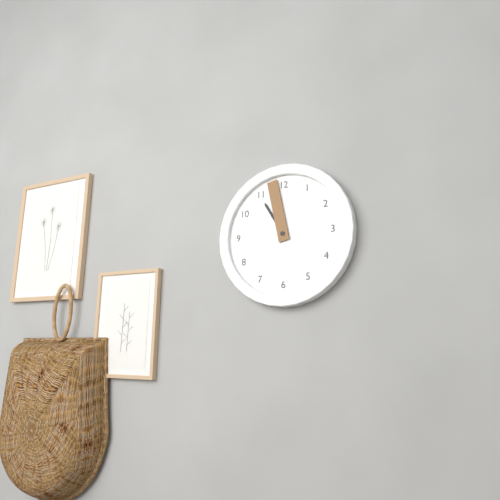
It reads 10h58
